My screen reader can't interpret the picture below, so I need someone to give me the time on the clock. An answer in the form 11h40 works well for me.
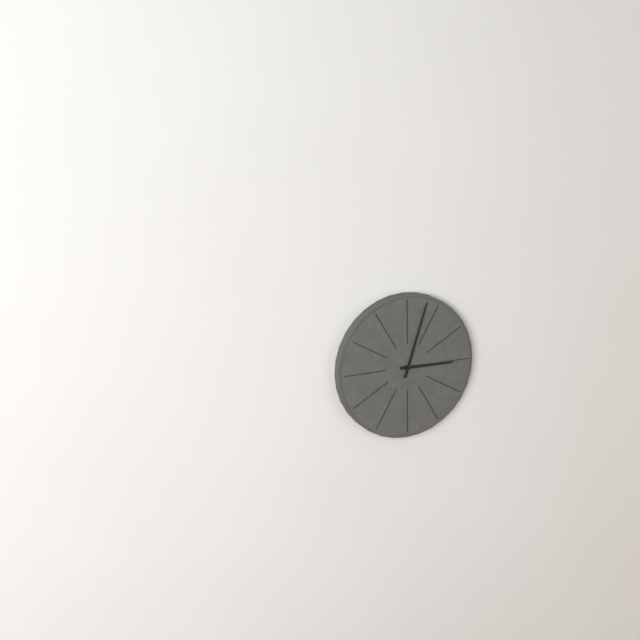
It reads 3h03
